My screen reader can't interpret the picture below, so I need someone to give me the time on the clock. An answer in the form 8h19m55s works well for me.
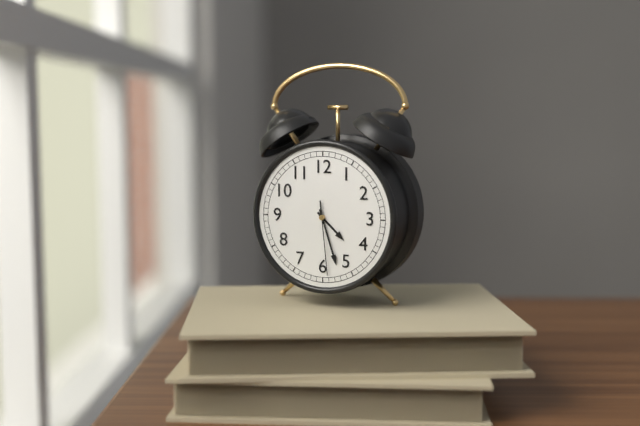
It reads 4h27m29s
